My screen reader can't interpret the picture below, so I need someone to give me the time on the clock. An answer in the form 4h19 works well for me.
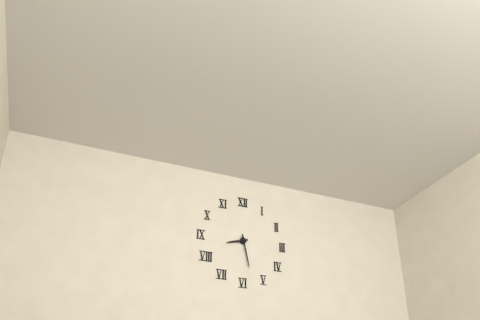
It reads 8h28
